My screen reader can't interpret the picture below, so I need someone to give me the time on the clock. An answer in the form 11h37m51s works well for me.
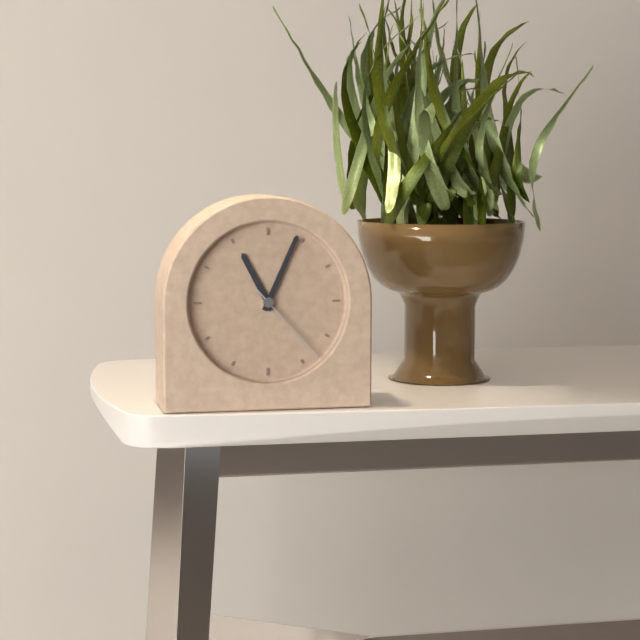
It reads 11h04m23s
